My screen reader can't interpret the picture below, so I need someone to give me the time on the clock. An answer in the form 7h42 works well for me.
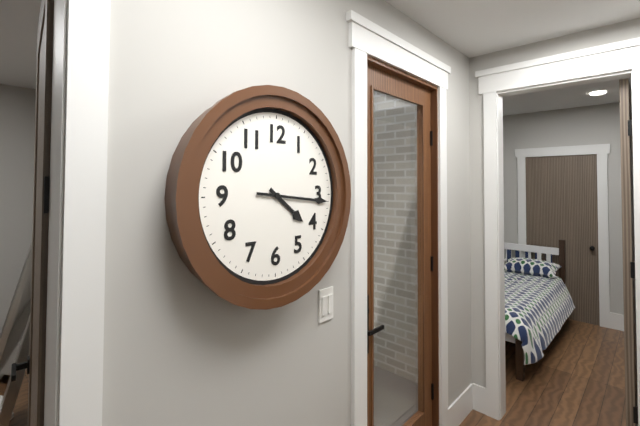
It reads 4h16
